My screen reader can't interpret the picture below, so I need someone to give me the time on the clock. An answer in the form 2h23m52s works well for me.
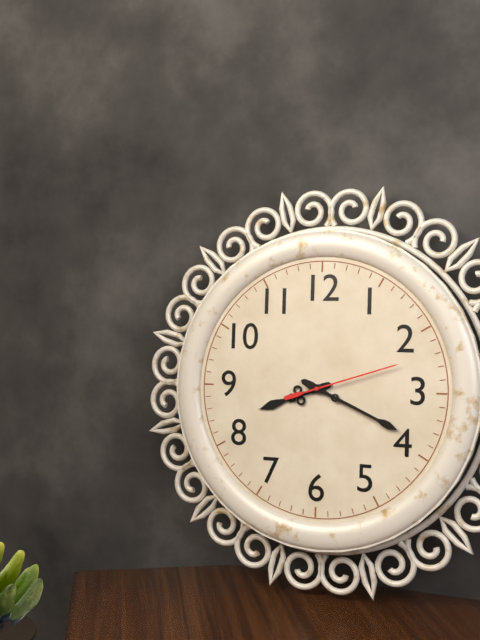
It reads 8h19m12s
